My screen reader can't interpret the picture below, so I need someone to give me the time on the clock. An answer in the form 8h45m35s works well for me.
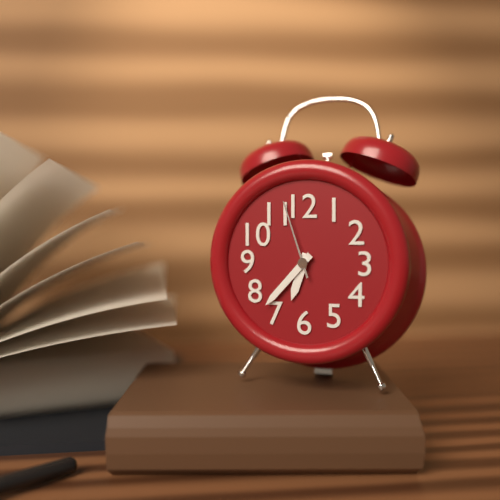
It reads 6h37m57s
